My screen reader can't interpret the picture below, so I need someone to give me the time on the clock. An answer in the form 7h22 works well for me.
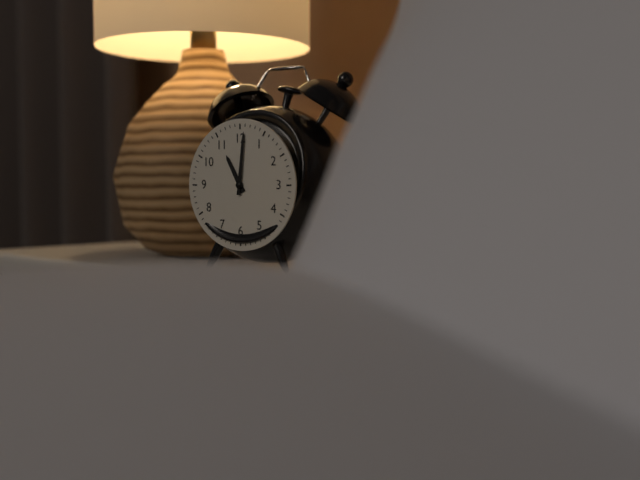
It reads 11h01
